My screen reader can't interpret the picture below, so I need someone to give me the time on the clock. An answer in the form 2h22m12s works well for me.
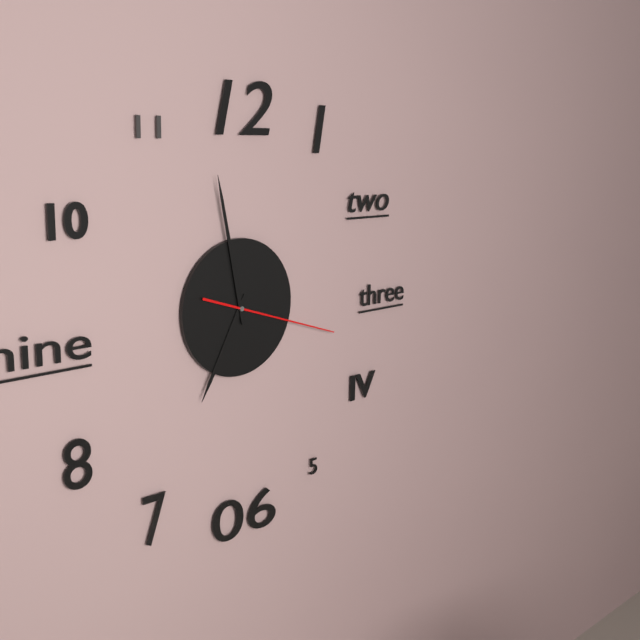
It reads 6h58m18s
